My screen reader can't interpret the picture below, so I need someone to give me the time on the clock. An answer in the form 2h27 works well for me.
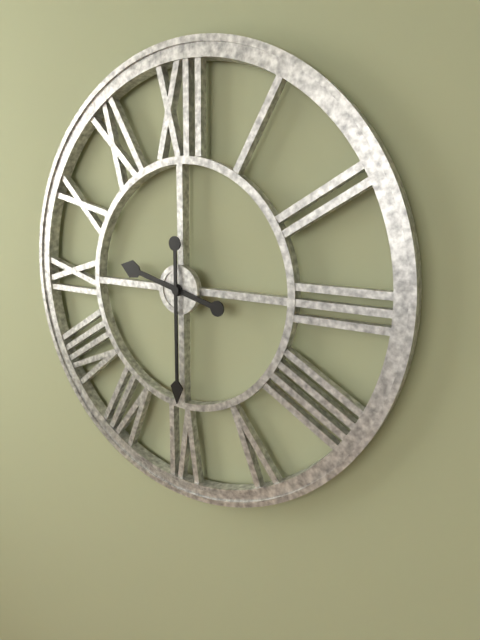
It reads 9h30
